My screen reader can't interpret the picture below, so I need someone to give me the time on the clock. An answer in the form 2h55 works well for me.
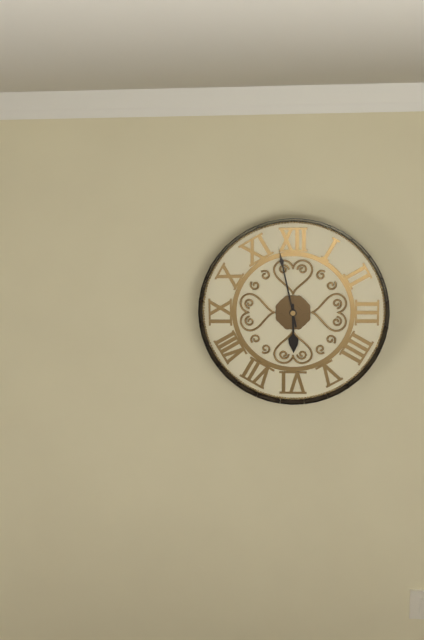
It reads 5h58
